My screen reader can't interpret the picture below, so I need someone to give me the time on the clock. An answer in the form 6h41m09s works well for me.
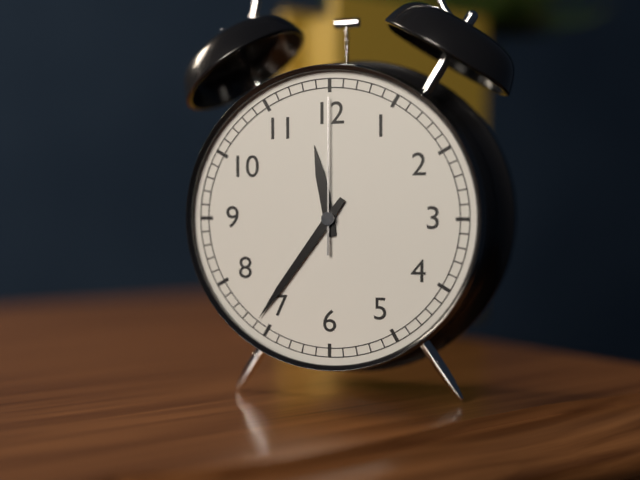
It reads 11h36m00s
